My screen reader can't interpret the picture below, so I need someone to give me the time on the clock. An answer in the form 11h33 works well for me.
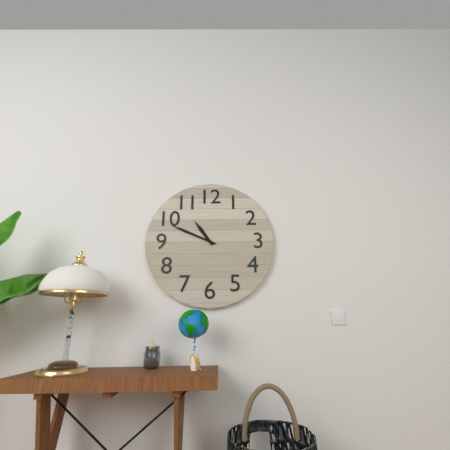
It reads 10h49
